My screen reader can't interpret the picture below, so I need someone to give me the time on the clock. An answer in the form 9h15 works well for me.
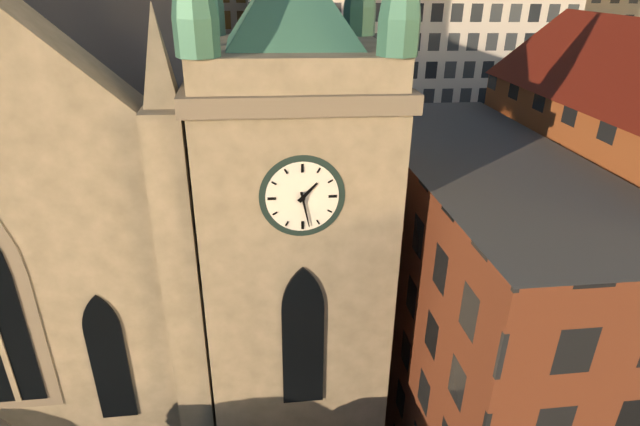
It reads 1h28
